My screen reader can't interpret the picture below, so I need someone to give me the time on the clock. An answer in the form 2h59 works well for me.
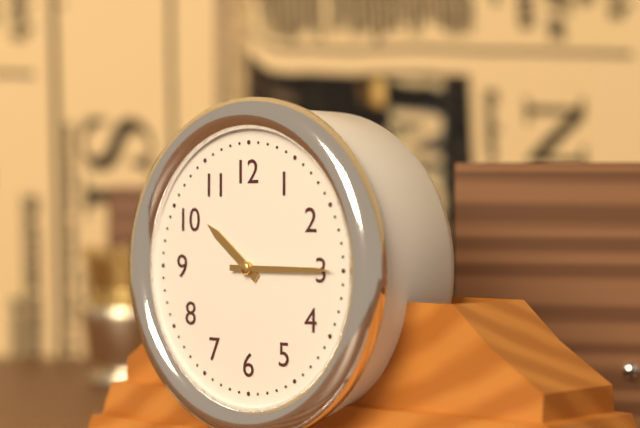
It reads 10h15
